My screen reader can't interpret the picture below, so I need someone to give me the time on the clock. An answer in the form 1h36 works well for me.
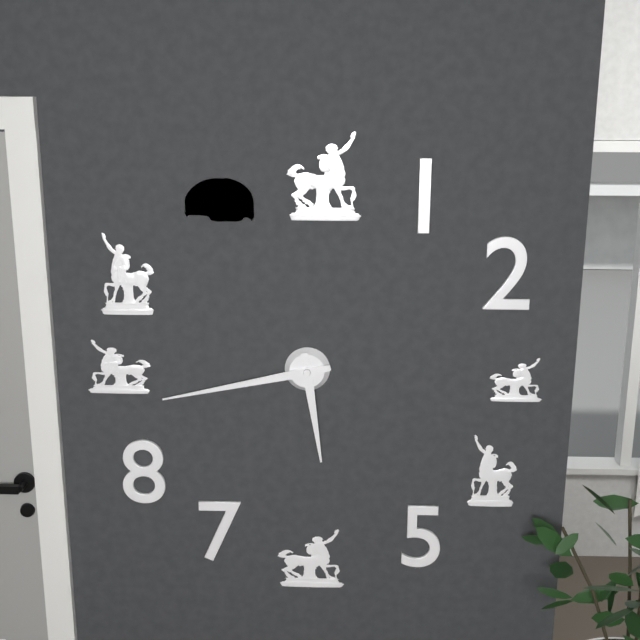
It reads 5h43
